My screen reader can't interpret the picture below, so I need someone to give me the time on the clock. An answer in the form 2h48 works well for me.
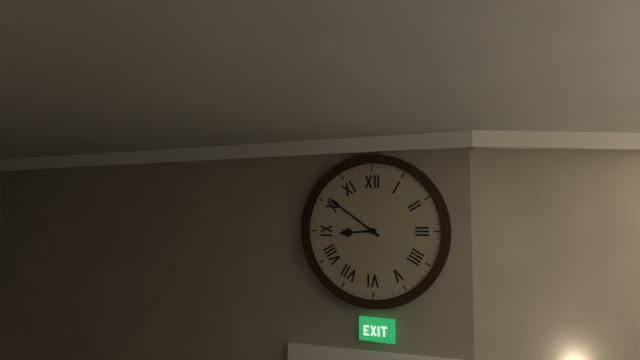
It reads 8h51
